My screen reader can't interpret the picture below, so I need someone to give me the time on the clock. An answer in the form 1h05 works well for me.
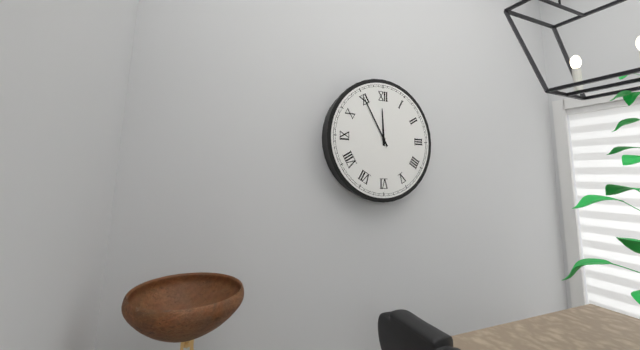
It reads 11h55
